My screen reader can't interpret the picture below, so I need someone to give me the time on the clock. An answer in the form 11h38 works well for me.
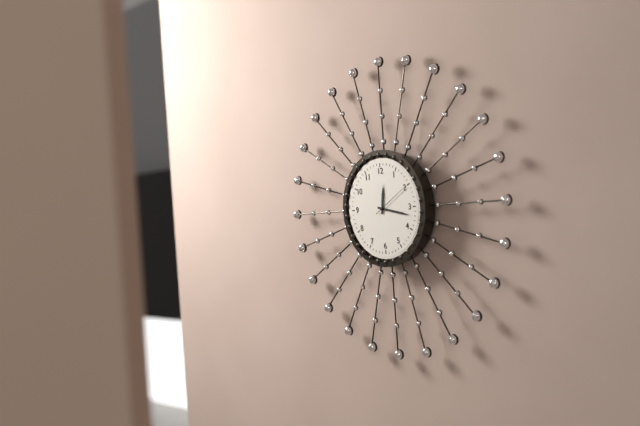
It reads 12h17
